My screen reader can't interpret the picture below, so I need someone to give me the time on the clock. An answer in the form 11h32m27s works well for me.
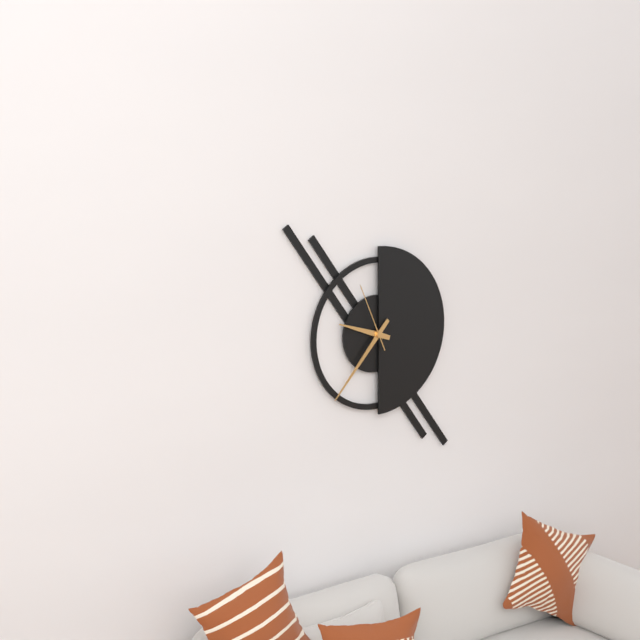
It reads 9h37m56s
